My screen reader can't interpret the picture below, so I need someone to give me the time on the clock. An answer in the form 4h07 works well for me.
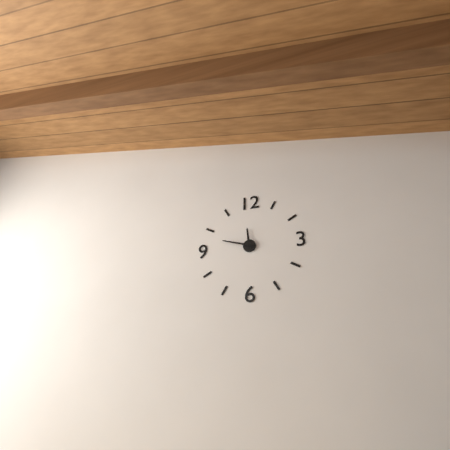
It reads 11h48
